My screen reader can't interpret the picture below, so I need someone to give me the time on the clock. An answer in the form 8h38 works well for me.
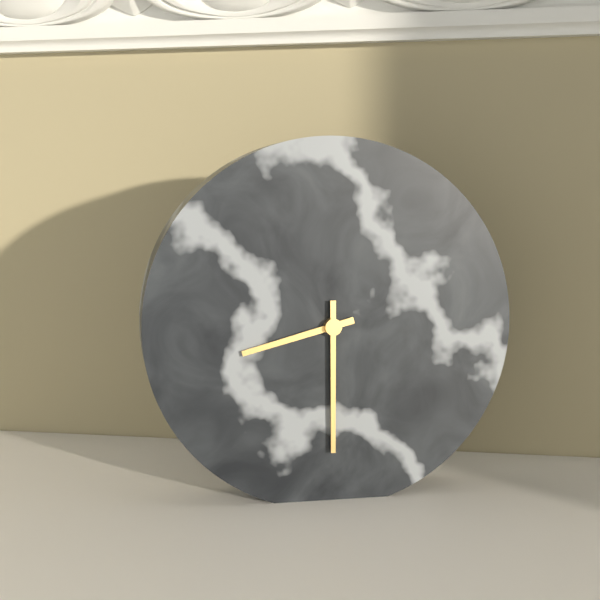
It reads 8h30
